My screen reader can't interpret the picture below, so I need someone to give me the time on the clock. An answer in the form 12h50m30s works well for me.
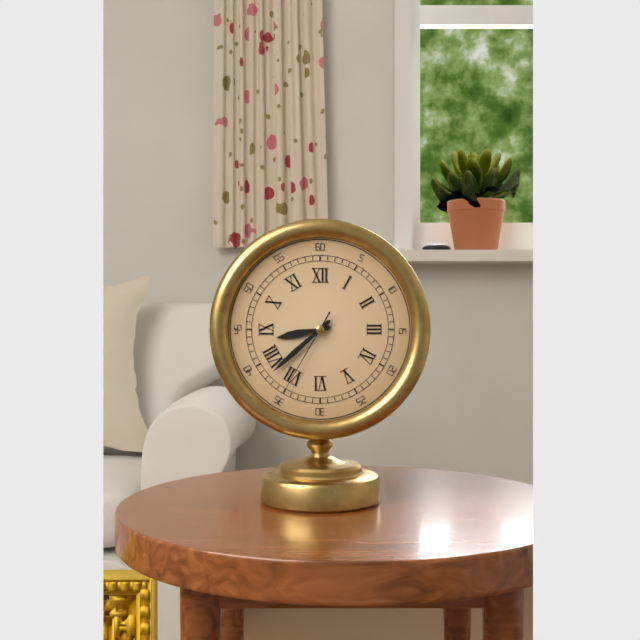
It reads 8h38m35s
